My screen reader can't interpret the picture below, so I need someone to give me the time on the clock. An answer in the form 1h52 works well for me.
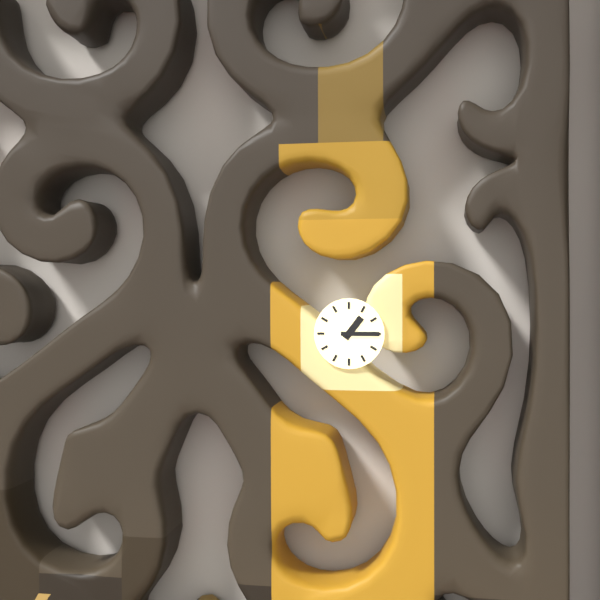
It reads 1h15
